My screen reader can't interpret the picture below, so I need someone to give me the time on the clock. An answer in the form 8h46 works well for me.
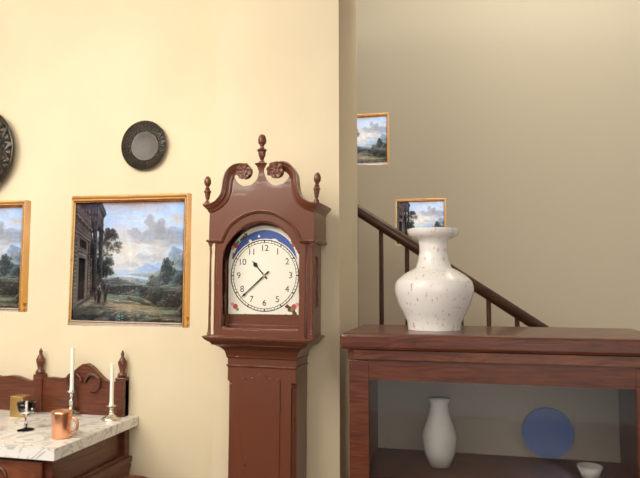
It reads 10h38
